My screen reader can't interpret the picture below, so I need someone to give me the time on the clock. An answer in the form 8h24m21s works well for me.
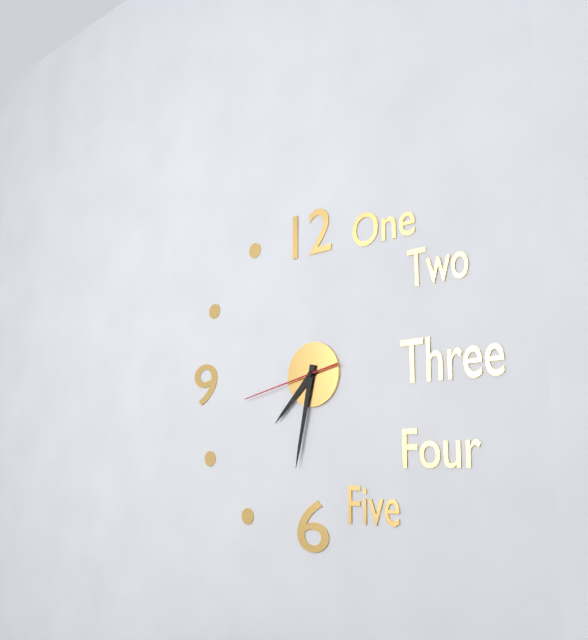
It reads 7h32m43s
